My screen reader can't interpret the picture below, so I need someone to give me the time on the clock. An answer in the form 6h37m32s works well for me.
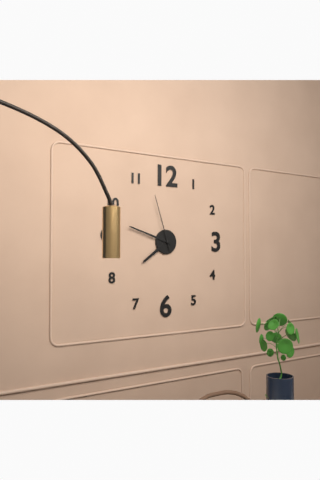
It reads 7h48m57s
